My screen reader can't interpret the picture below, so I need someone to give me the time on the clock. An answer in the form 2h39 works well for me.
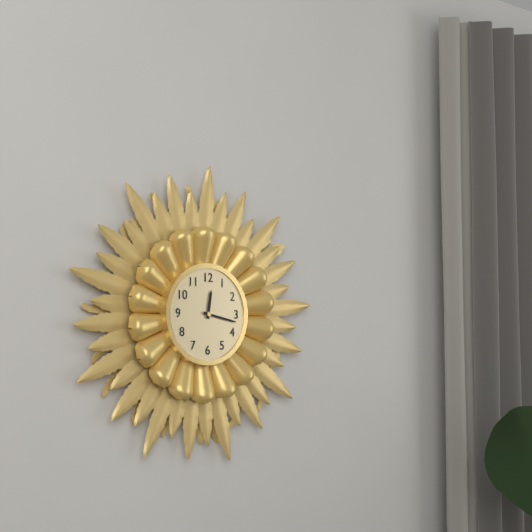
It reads 12h17
